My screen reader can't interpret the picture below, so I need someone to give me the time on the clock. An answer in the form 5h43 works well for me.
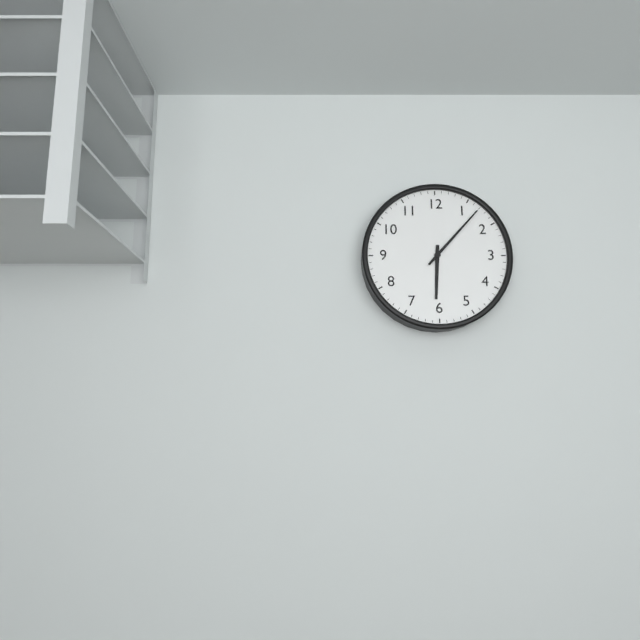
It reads 6h07
